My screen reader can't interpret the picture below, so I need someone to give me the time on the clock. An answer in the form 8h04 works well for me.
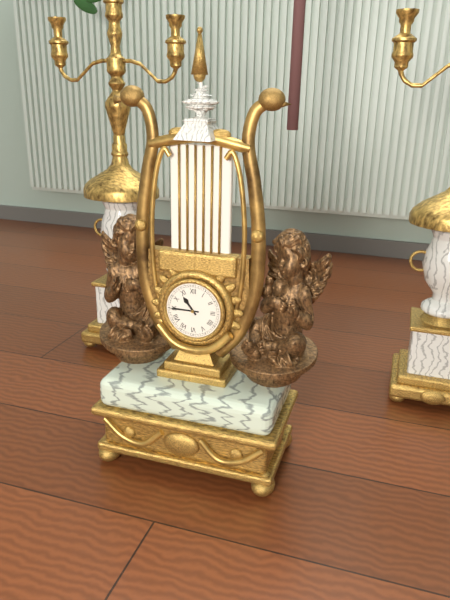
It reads 10h45
